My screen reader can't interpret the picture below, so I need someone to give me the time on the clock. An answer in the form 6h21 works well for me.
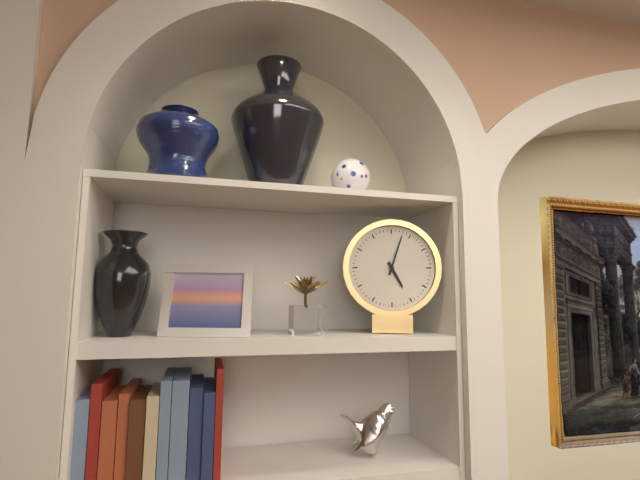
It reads 5h03
